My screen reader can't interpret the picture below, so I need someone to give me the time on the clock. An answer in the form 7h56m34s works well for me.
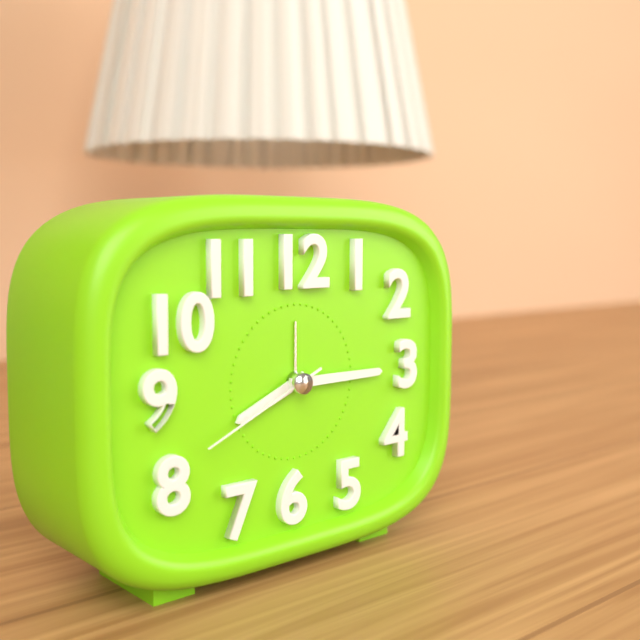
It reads 8h15m41s
